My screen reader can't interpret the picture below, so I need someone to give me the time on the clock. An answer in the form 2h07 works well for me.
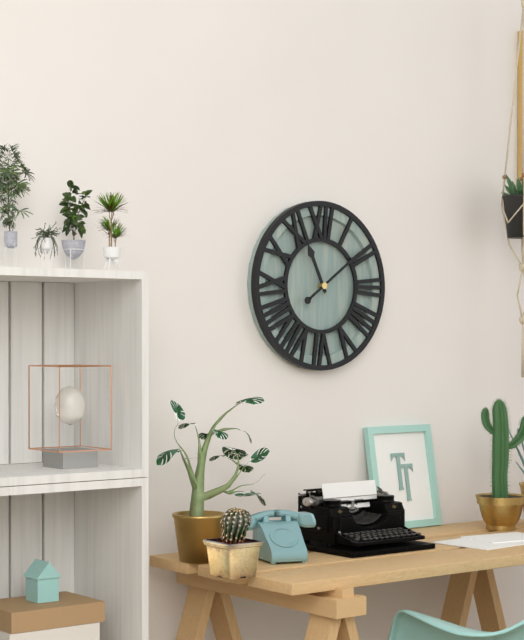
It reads 11h09
